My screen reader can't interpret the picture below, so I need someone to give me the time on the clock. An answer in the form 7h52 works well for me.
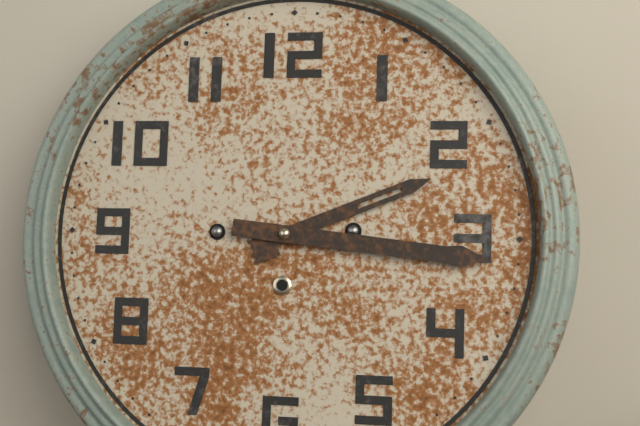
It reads 2h16
